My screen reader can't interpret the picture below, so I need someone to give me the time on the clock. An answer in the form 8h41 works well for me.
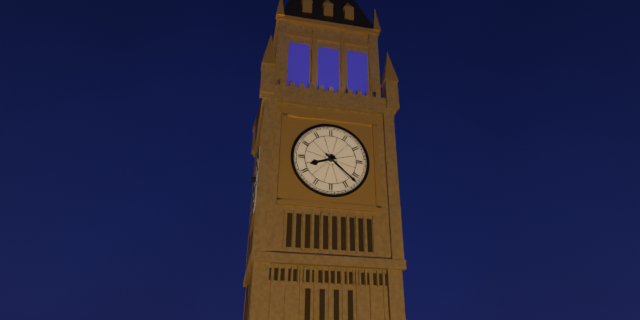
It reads 8h22
